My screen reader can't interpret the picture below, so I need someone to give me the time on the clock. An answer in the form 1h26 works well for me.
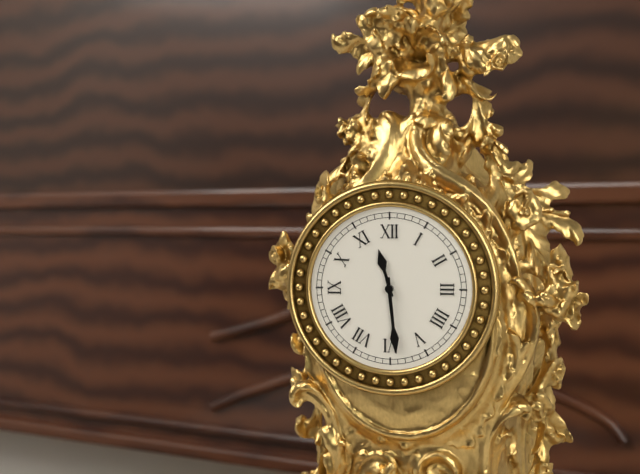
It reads 11h29
